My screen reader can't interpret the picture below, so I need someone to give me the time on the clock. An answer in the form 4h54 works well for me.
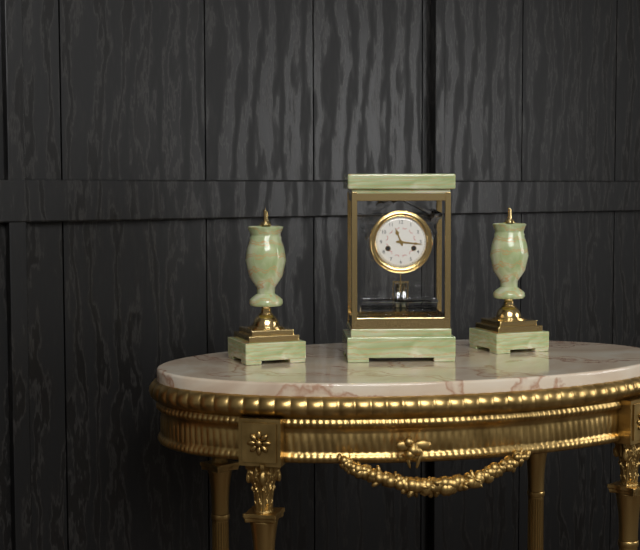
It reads 11h16
